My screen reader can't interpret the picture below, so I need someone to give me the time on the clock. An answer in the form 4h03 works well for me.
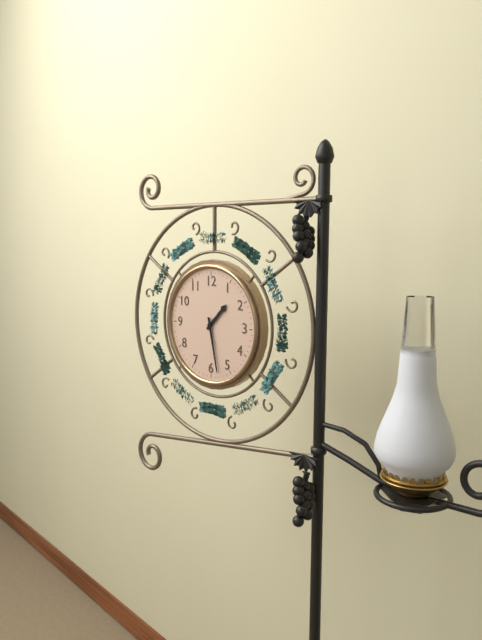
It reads 1h28
